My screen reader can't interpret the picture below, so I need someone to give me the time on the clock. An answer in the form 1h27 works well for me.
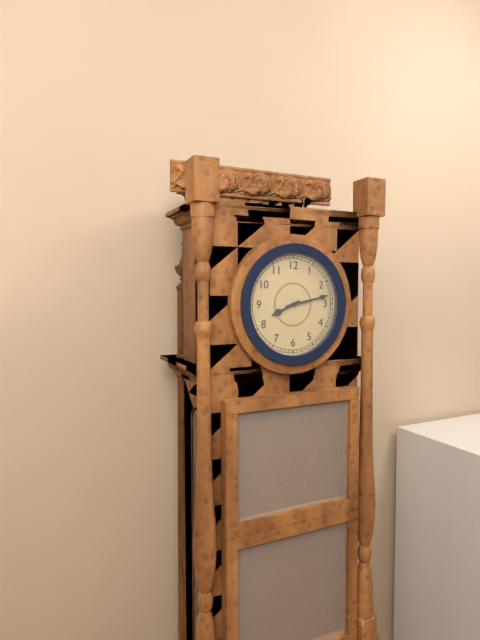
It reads 8h13
